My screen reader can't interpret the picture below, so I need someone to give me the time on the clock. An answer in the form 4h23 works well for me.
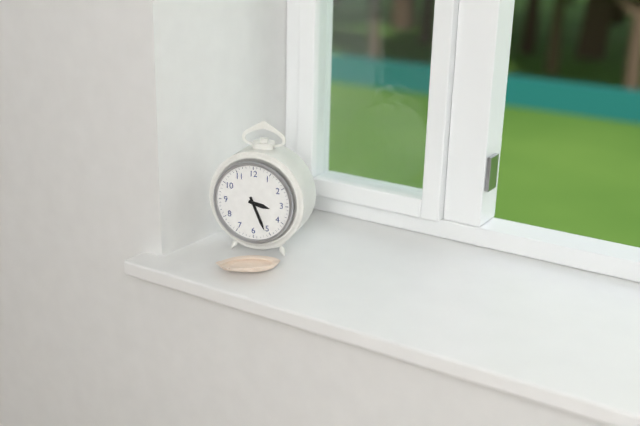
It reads 3h26
